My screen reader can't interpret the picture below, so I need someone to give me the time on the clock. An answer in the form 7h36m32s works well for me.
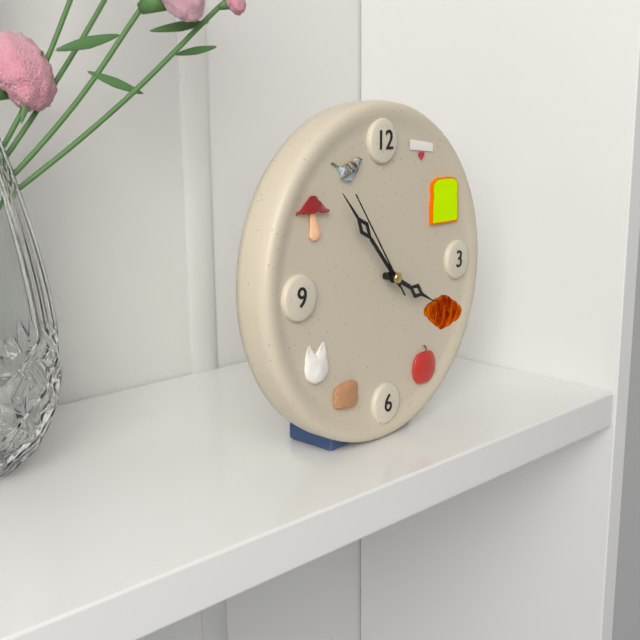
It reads 3h53m54s
